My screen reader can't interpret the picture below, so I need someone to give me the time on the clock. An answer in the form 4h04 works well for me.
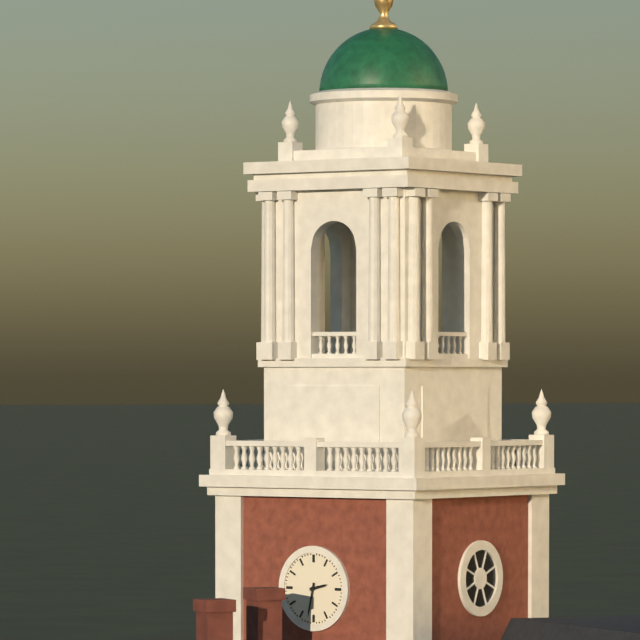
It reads 2h32
